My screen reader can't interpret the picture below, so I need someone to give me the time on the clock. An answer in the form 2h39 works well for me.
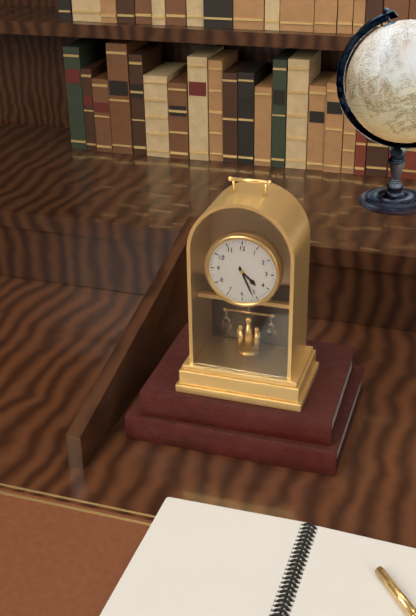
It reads 4h26
